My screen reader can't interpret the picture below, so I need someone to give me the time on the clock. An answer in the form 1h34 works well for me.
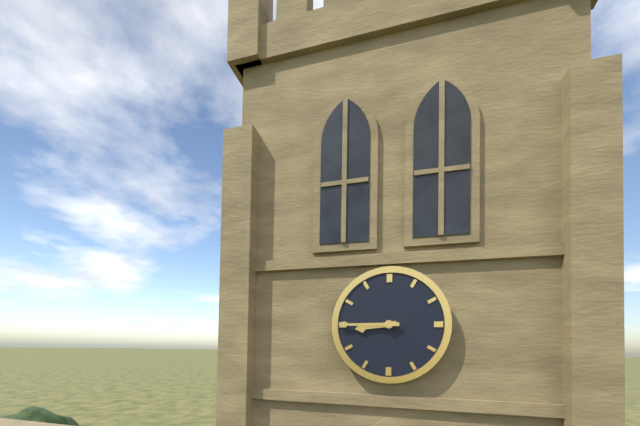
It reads 8h45
